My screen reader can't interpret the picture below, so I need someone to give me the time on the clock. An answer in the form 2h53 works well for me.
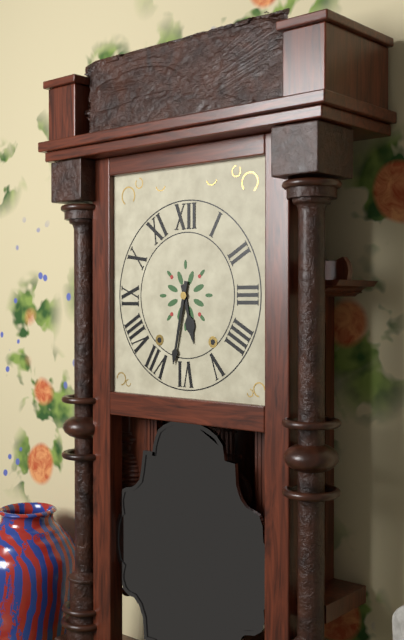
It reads 5h32
